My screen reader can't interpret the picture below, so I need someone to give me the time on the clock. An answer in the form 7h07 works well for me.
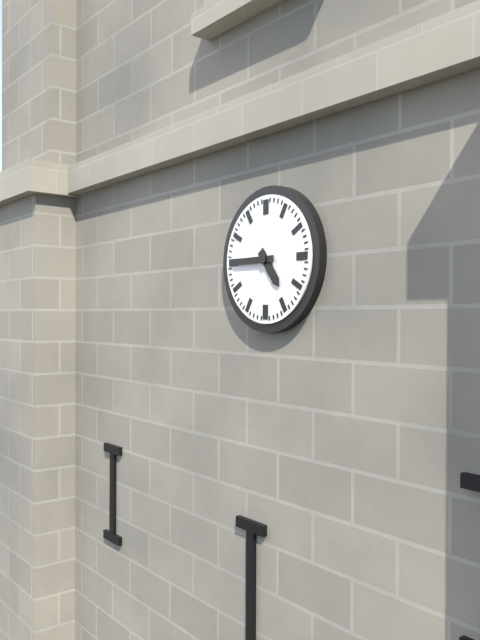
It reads 4h45
